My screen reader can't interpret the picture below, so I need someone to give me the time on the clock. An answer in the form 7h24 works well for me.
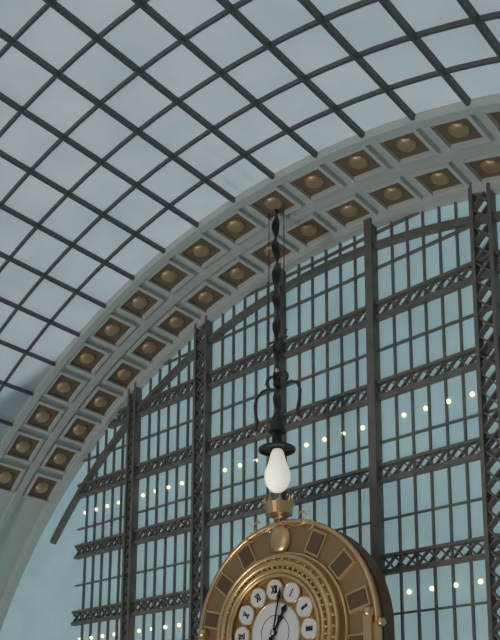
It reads 1h02
